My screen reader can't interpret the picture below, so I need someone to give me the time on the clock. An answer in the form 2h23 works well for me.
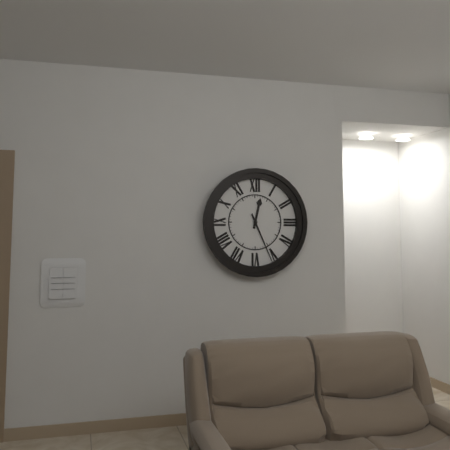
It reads 12h26
